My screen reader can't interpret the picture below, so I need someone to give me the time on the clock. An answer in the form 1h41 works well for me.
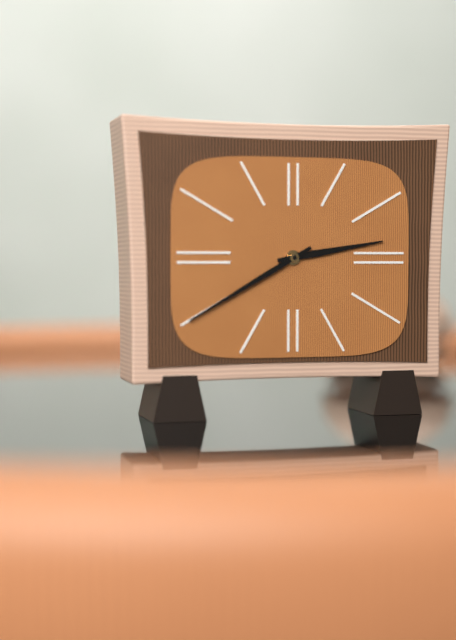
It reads 2h40
